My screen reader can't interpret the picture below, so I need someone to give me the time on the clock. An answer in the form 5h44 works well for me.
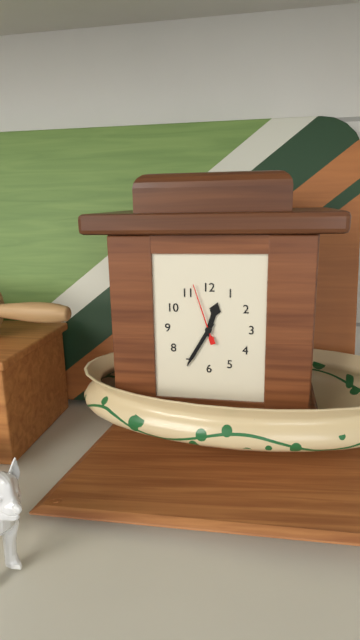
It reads 12h35
